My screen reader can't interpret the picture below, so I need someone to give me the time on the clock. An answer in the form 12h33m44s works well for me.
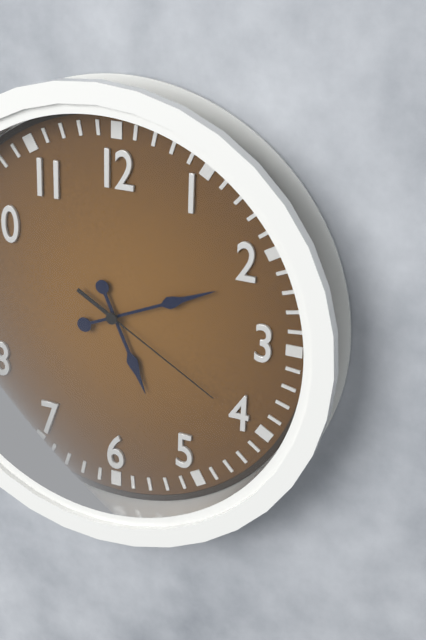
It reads 5h11m20s
